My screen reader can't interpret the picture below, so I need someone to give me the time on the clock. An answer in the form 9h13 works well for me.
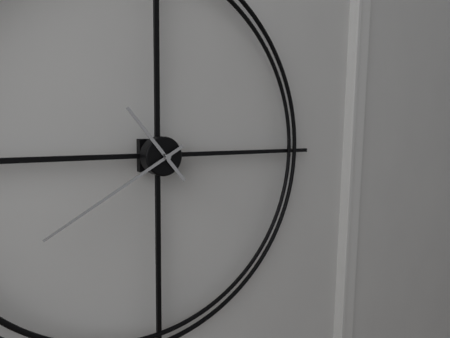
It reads 10h40
